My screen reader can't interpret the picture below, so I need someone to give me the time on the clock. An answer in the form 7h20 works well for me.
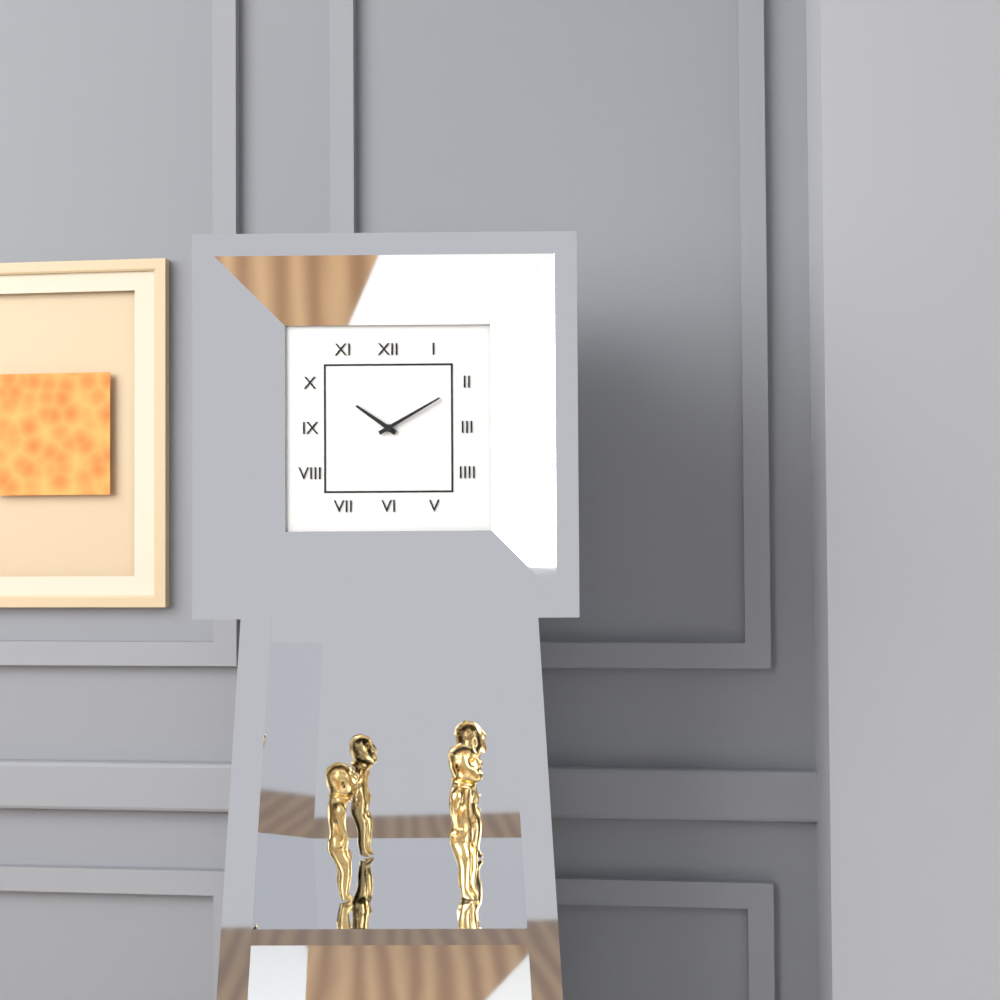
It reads 10h10
